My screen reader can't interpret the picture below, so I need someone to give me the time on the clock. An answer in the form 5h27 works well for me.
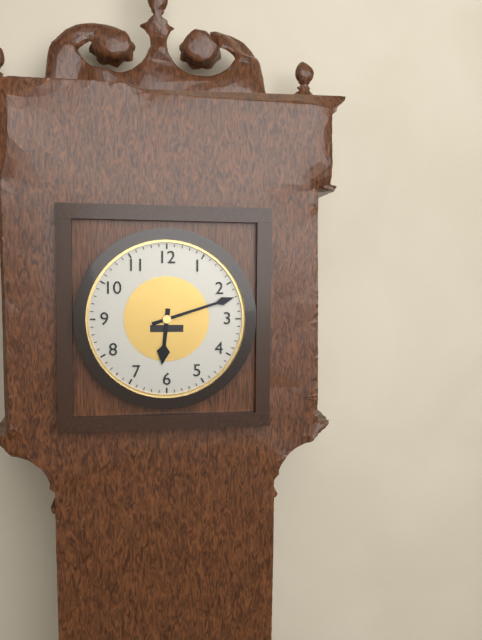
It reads 6h12
